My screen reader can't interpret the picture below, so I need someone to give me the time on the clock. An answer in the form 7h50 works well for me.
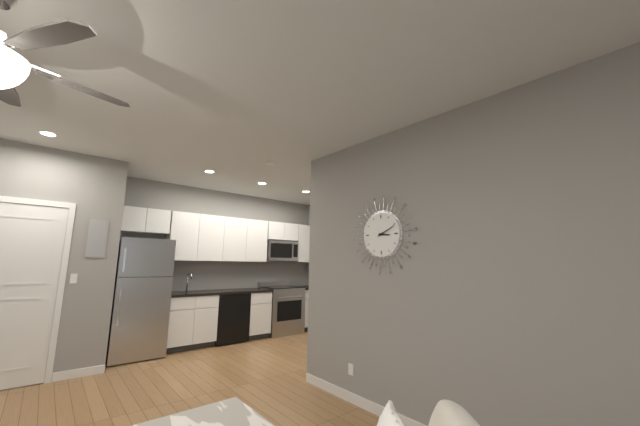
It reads 3h11
